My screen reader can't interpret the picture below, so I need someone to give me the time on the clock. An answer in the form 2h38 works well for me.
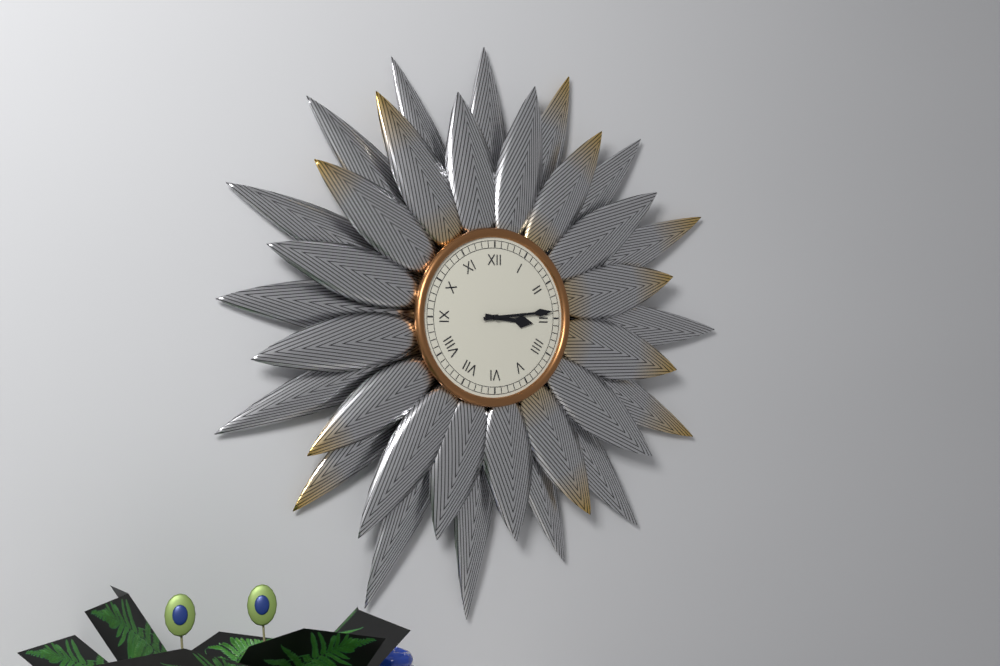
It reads 3h14
